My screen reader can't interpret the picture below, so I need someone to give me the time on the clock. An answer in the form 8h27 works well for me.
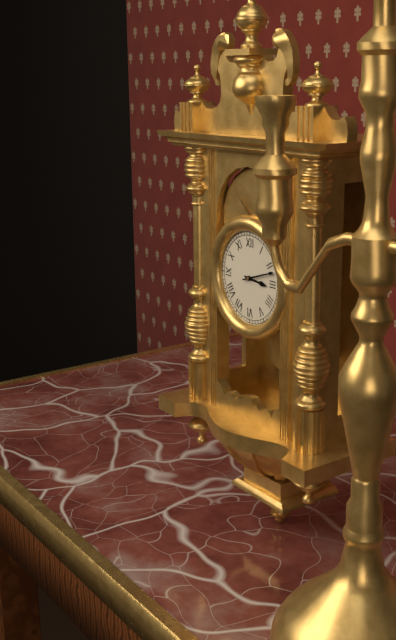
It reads 3h12
